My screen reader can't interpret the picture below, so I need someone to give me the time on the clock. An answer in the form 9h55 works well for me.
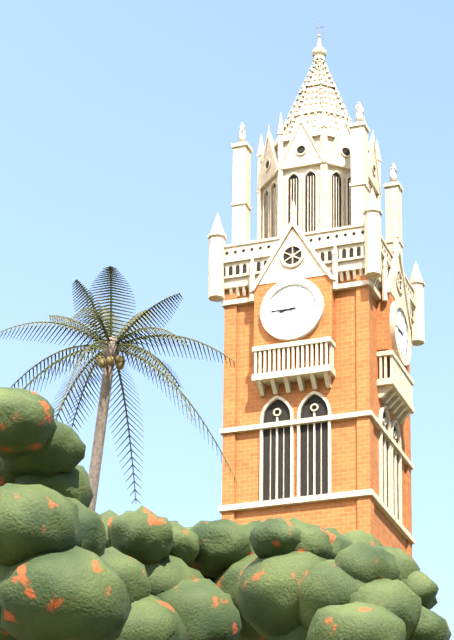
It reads 8h45
